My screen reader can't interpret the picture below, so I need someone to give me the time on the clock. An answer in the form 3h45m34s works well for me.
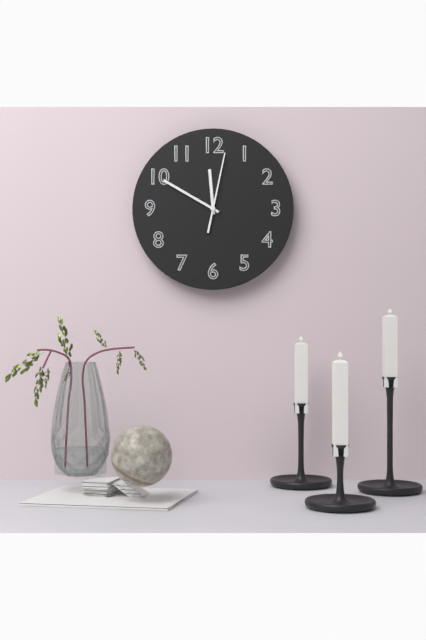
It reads 11h50m02s
